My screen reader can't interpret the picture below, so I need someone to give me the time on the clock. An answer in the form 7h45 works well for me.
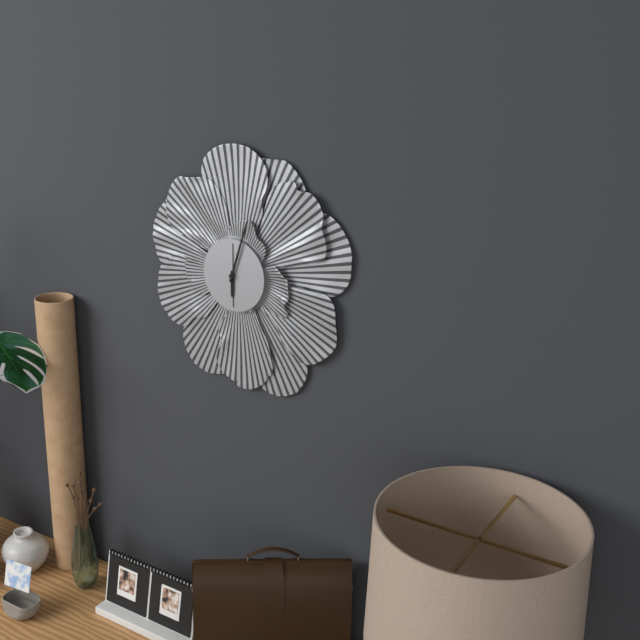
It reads 6h03
